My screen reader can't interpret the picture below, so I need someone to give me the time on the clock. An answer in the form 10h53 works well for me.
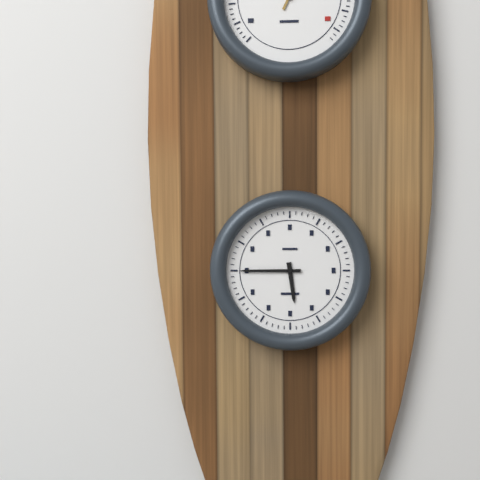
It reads 5h45
